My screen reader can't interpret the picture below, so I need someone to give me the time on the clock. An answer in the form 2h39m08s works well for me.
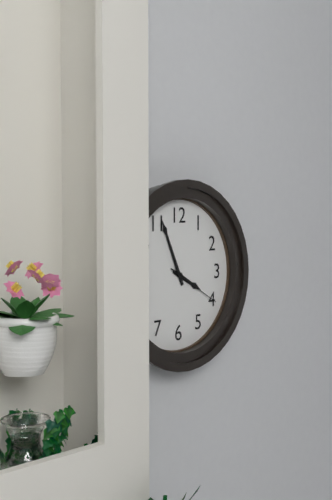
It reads 3h56m20s
